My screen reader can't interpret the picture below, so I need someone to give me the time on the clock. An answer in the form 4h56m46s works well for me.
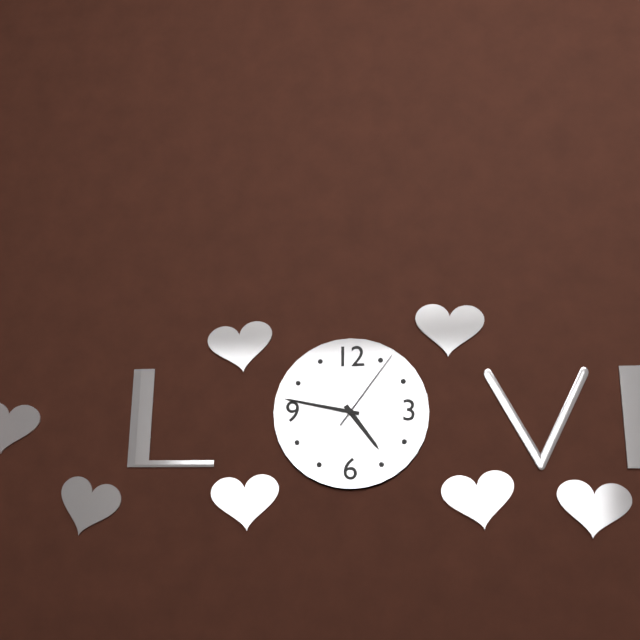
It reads 4h47m06s
